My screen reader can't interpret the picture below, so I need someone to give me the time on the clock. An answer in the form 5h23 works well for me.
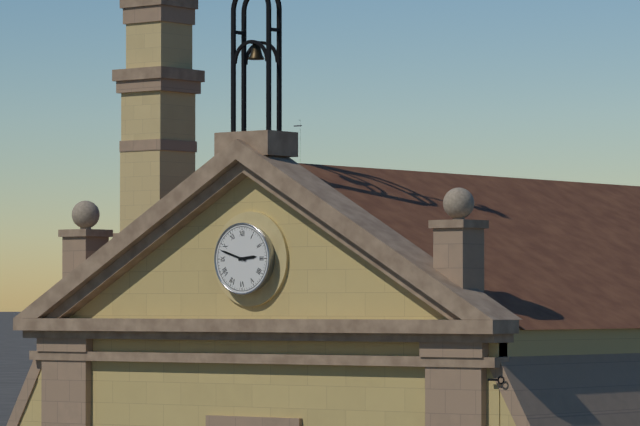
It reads 2h48
